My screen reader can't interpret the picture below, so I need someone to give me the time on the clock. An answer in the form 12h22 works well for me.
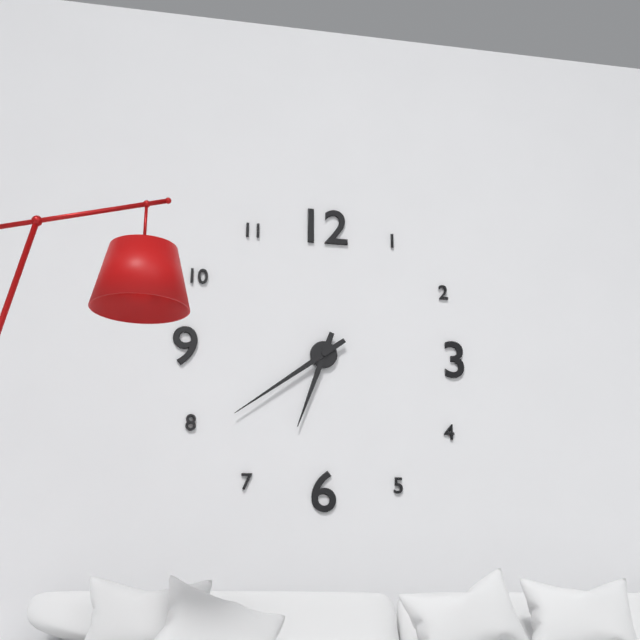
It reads 6h39
